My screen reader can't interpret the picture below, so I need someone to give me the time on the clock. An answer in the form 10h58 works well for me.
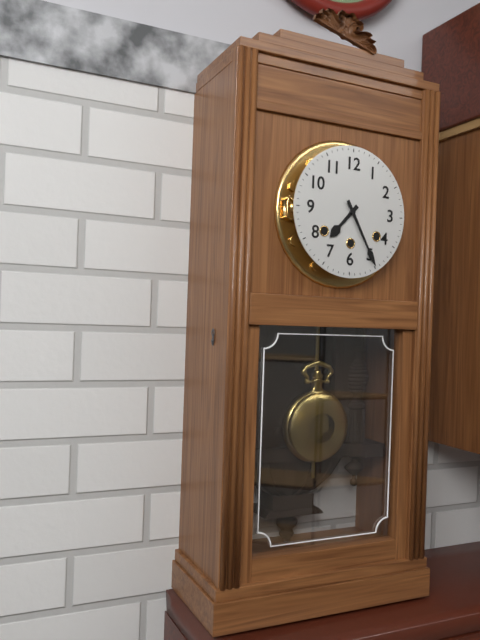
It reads 7h25
